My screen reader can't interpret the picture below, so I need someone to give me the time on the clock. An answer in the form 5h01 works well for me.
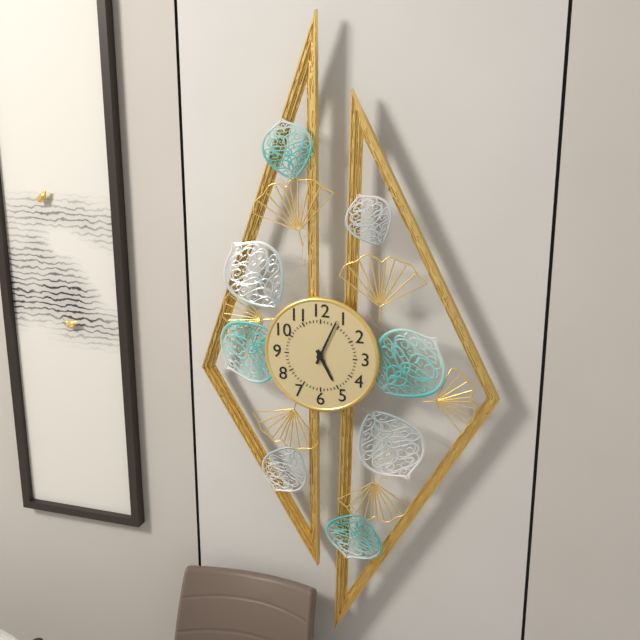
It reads 5h04
